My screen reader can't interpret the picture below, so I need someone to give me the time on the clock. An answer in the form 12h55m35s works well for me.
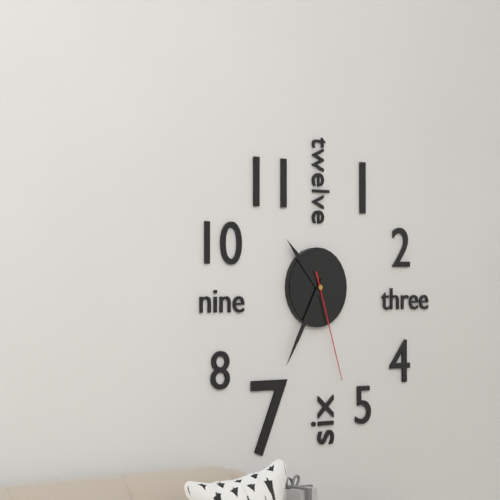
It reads 10h35m27s
